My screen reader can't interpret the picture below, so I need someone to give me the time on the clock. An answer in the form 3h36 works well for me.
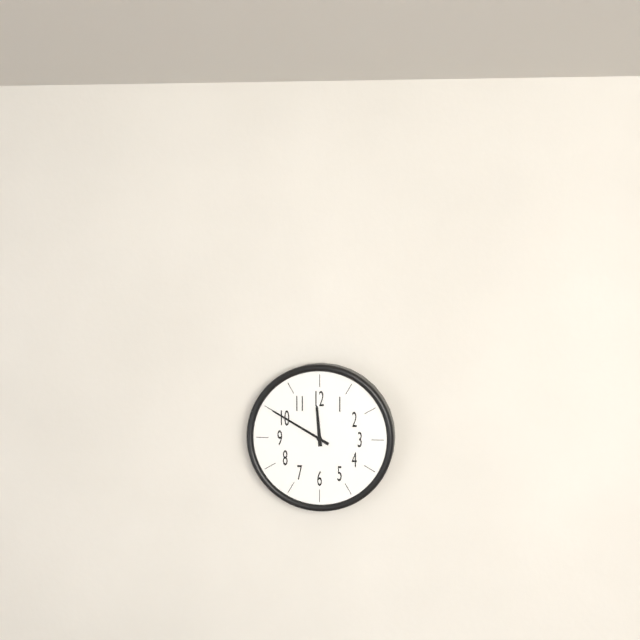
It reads 11h50
